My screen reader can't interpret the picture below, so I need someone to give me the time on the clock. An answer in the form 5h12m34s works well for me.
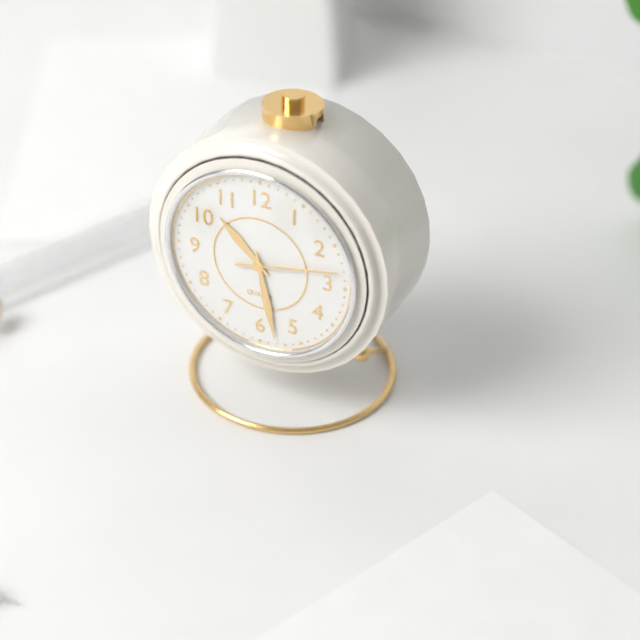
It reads 10h28m13s
